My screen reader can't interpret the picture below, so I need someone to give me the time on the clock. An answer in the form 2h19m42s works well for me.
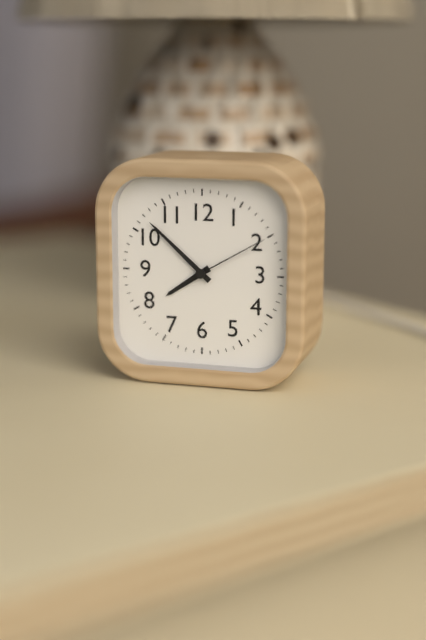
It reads 7h52m10s
